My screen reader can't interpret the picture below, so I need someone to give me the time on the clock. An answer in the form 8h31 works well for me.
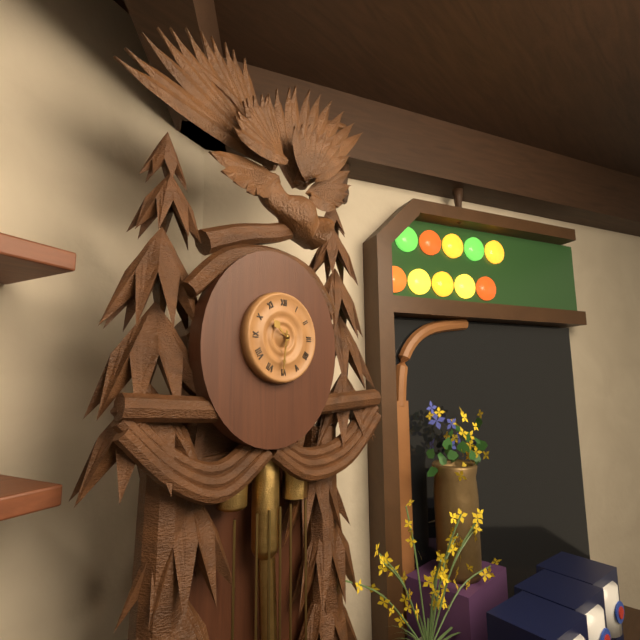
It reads 10h31
